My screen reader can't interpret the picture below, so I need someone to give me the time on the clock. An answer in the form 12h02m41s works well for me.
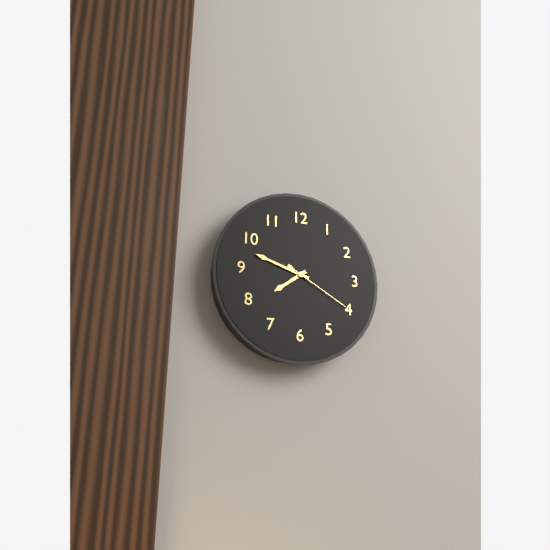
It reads 7h48m20s
